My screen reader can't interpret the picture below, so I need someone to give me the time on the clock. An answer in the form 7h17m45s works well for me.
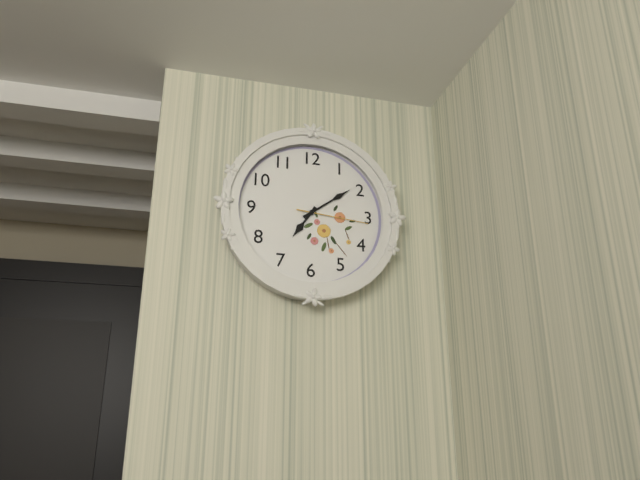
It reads 7h09m16s
